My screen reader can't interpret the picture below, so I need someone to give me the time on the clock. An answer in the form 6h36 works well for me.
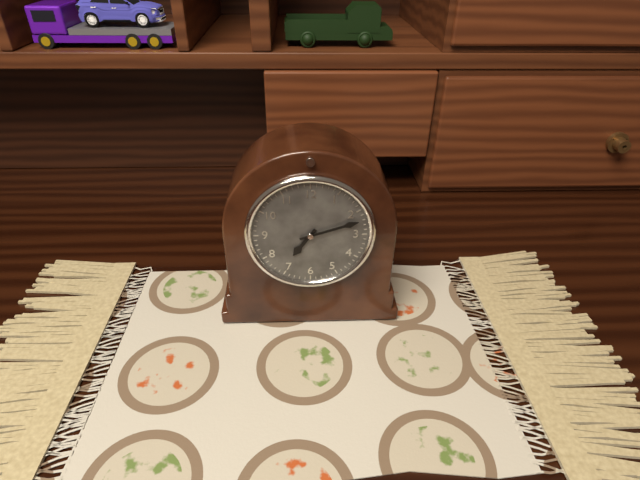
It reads 7h12
